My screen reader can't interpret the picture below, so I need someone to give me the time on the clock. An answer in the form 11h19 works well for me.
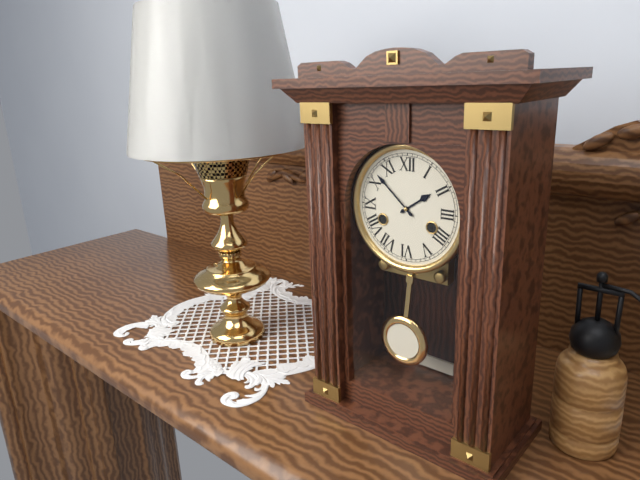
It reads 1h52
